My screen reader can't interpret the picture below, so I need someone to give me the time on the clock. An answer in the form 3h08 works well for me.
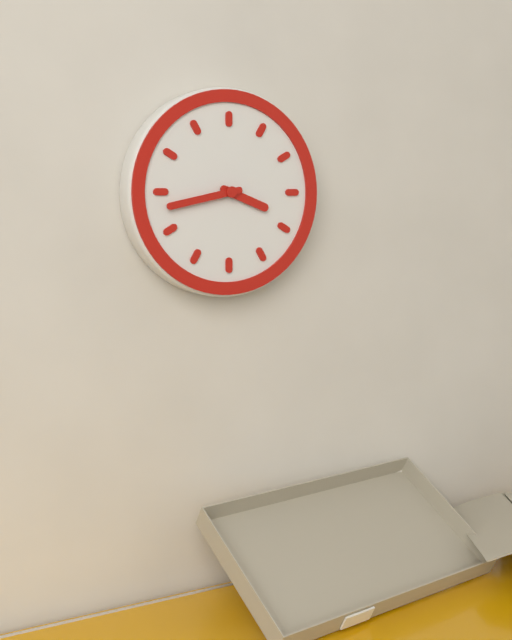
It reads 3h43
